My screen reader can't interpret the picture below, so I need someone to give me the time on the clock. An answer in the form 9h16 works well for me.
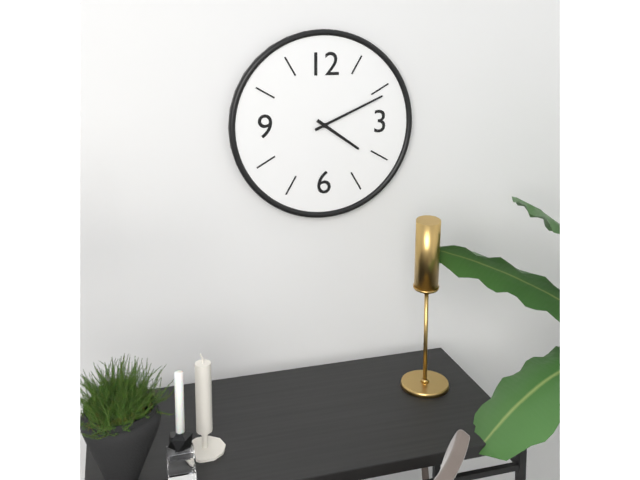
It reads 4h11
